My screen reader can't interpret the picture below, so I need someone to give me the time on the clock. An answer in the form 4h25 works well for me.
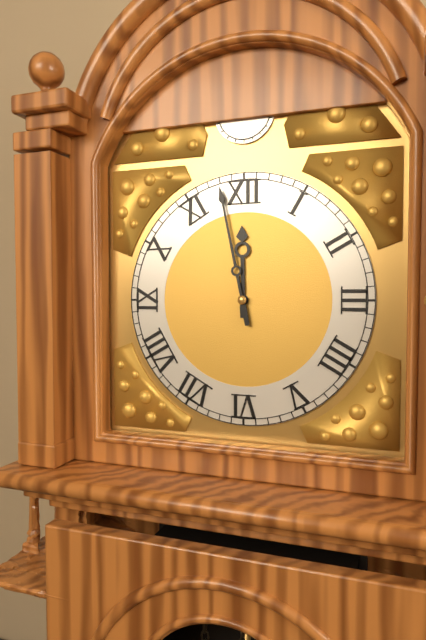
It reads 11h58
